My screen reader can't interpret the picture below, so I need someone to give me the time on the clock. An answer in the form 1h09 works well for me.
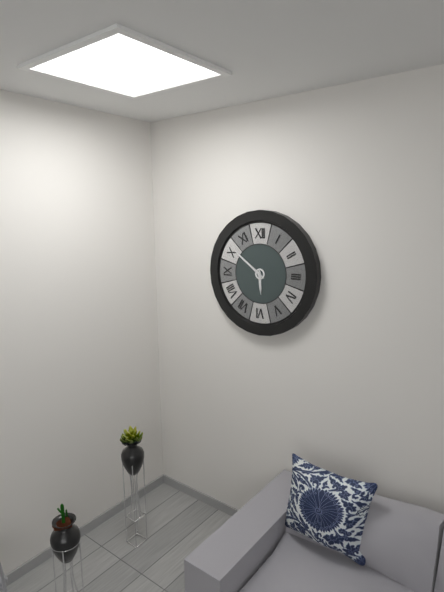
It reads 5h51
